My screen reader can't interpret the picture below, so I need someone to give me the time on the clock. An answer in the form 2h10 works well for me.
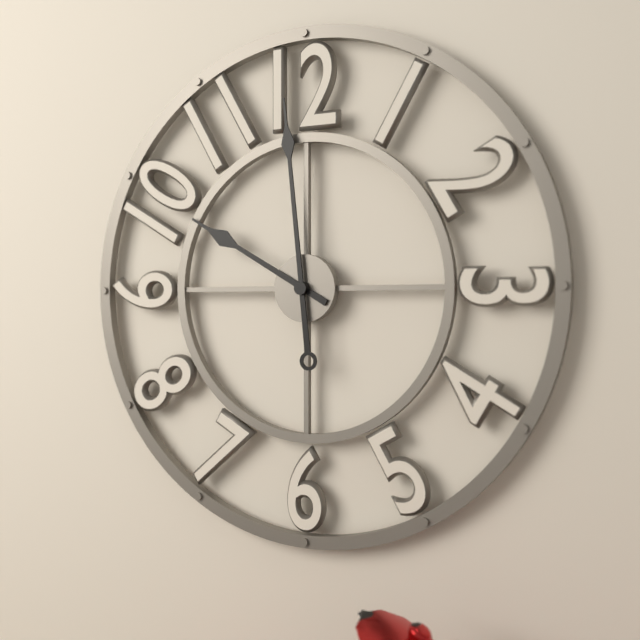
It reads 9h59
